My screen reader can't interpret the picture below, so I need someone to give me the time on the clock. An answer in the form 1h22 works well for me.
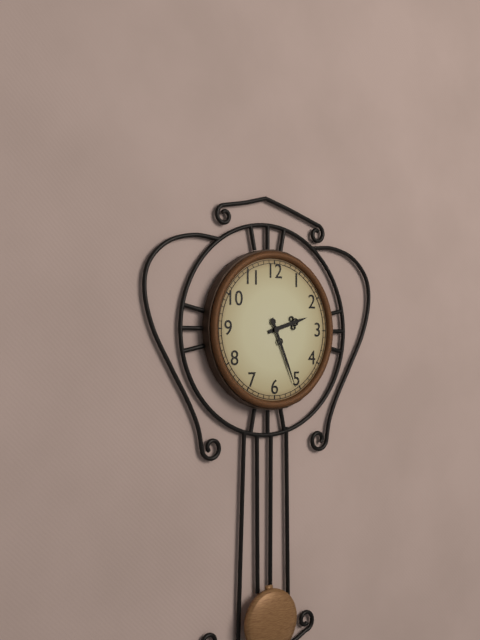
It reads 2h26
